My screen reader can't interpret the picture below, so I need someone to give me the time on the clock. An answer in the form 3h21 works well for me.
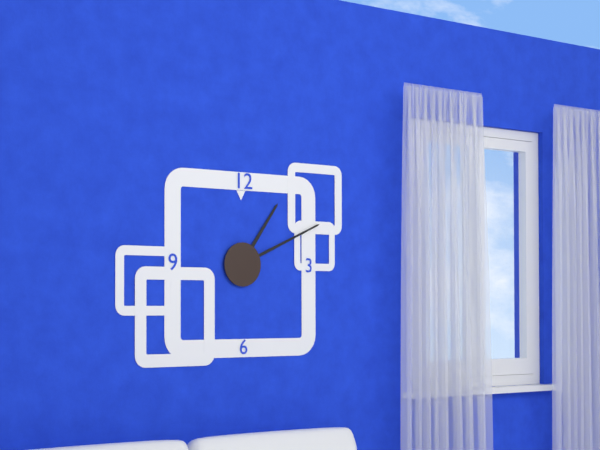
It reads 1h11
